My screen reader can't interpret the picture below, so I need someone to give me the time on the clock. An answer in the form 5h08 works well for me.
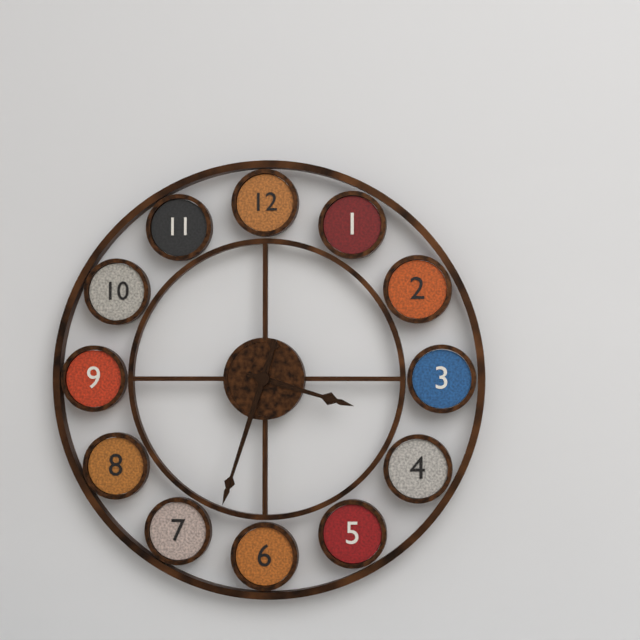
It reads 3h33
